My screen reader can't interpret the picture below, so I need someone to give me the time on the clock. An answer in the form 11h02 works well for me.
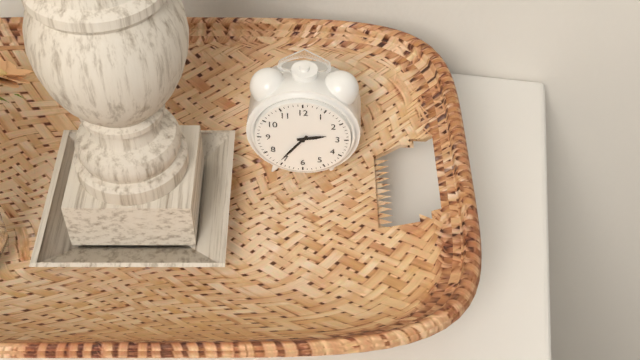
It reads 2h36
